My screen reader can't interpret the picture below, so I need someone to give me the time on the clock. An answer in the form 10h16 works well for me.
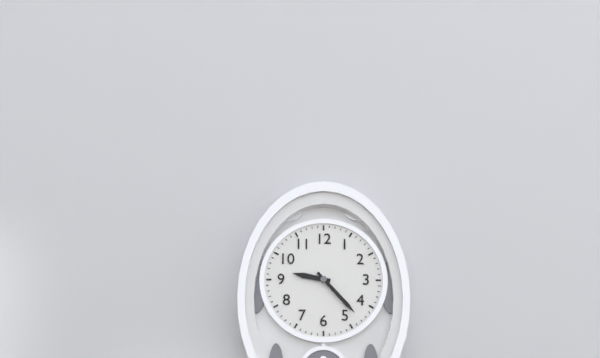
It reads 9h23
